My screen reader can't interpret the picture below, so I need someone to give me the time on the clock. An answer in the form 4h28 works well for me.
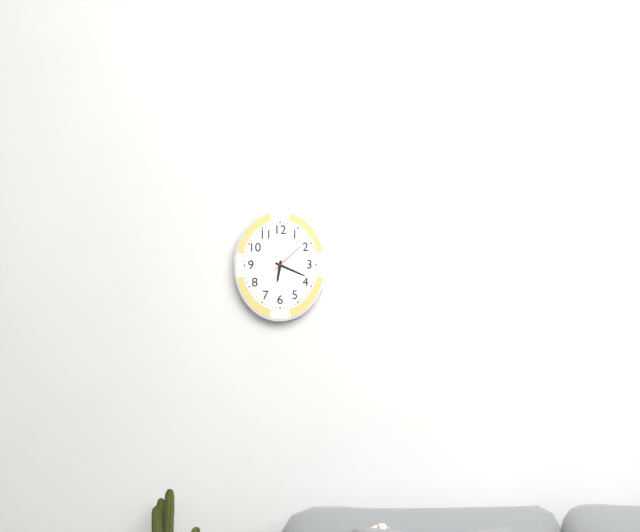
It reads 6h19
